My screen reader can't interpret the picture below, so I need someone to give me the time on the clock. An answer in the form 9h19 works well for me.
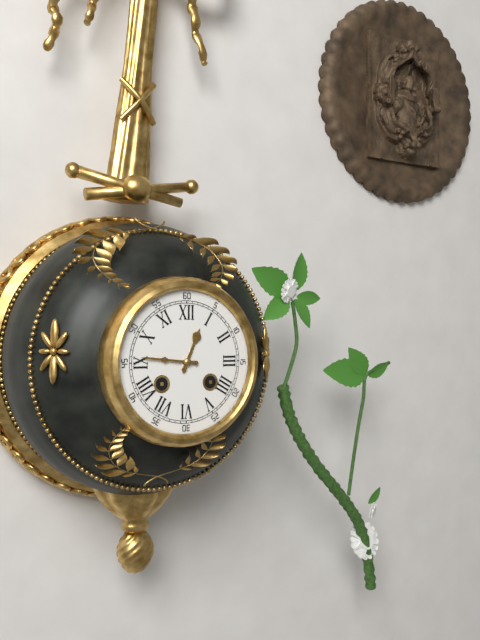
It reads 12h46
